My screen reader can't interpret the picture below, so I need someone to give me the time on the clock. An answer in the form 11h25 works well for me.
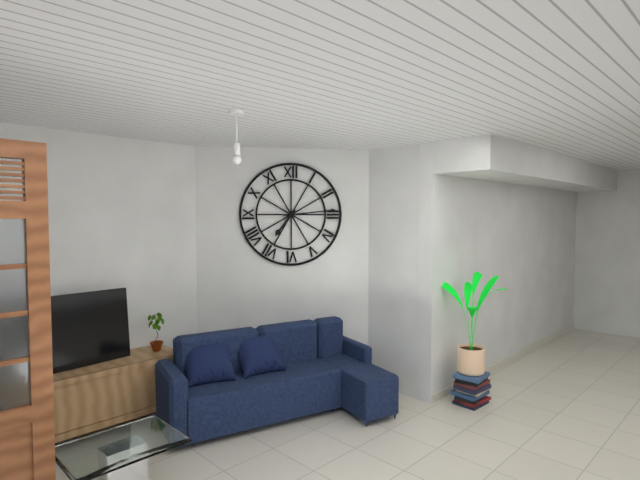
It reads 7h14
